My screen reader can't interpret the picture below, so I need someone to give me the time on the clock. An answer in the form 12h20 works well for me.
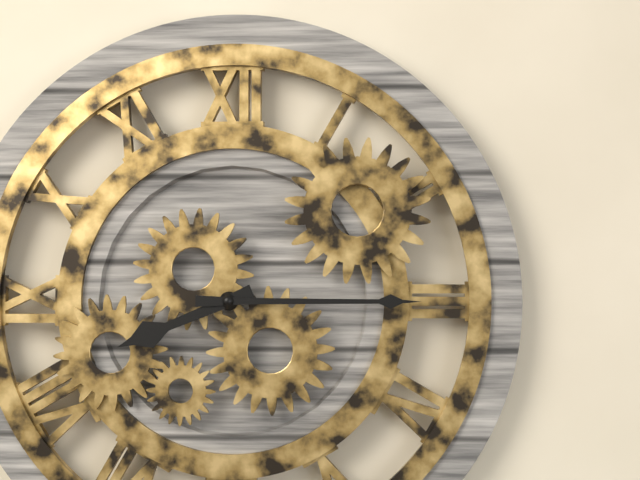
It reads 8h15
